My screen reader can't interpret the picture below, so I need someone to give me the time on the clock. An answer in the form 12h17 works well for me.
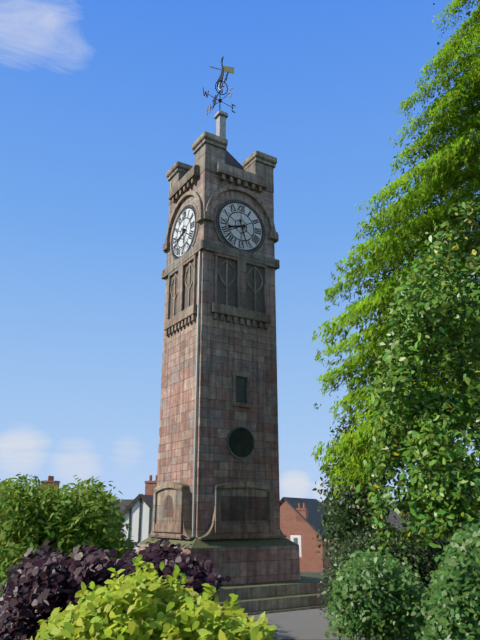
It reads 8h27
